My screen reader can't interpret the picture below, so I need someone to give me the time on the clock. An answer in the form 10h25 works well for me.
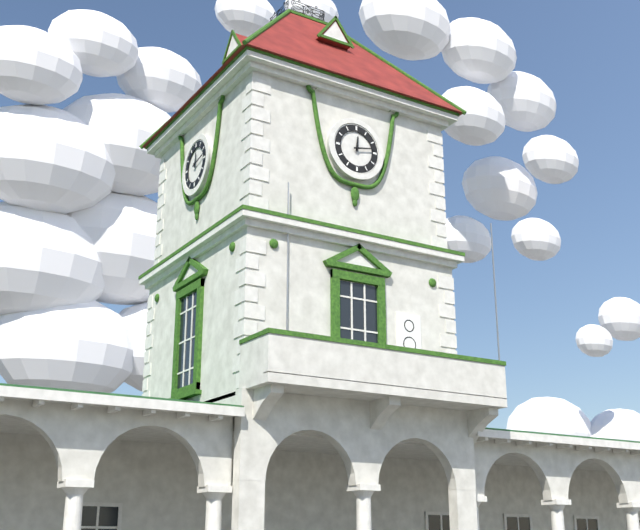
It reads 12h13
